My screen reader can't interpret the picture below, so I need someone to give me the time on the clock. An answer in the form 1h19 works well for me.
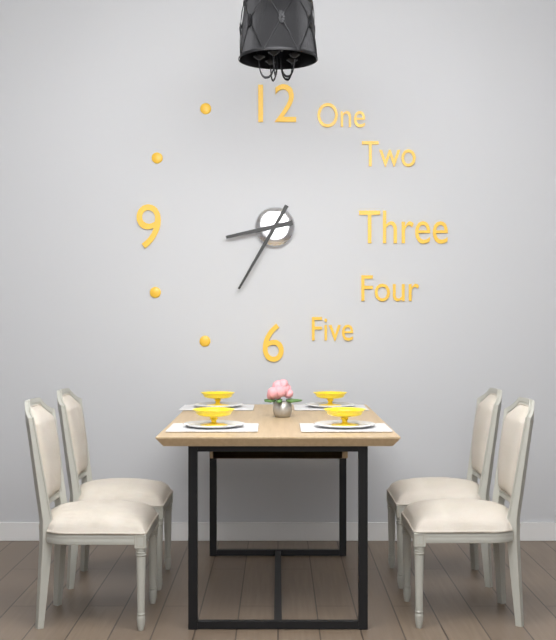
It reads 8h35
